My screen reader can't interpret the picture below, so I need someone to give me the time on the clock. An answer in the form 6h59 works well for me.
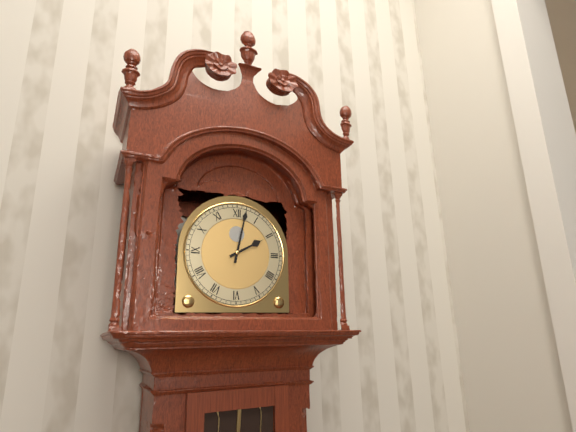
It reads 2h02
